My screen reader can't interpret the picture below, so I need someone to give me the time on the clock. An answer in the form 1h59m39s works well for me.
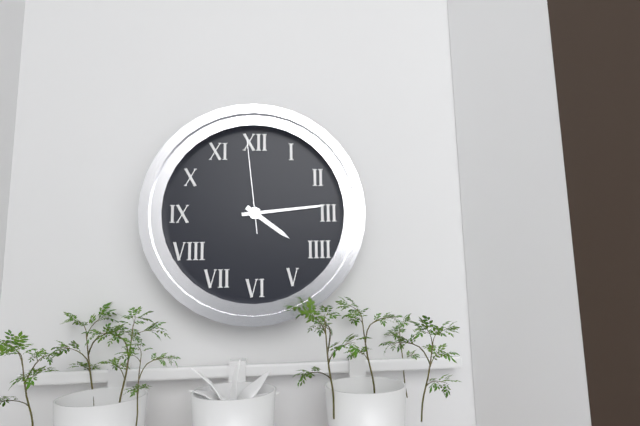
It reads 4h14m59s
